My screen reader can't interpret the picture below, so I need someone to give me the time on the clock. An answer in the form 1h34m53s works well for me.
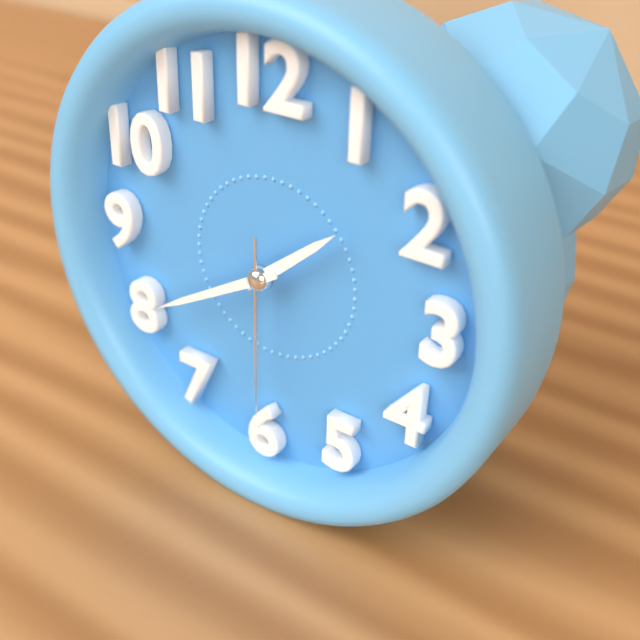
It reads 1h40m30s
